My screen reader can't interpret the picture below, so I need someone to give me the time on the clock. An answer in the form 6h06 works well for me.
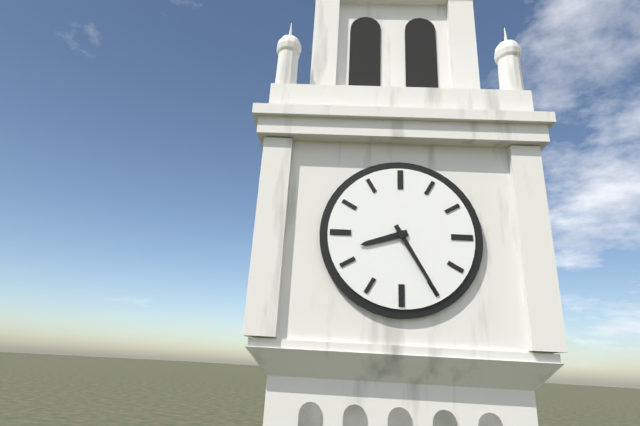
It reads 8h25
